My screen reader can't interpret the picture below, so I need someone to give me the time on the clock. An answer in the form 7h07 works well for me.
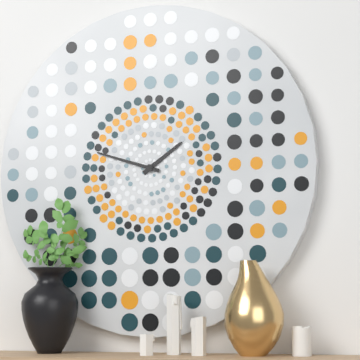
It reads 1h48
